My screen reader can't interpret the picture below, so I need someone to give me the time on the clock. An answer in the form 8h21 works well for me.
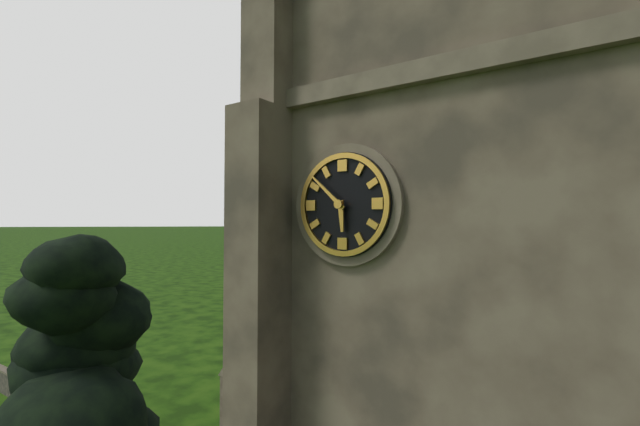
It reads 5h52
